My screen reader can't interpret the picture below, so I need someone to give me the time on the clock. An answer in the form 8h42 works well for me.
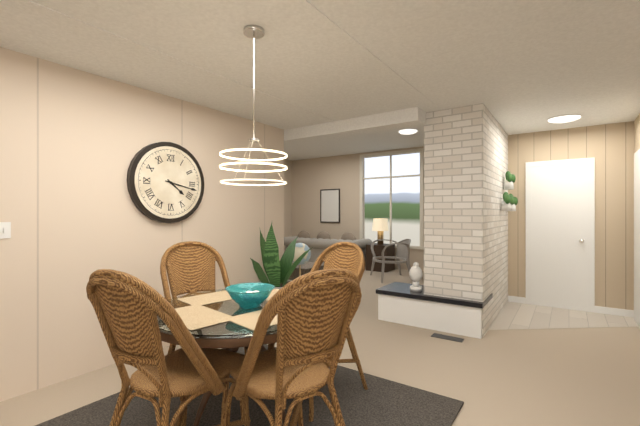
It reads 4h17
